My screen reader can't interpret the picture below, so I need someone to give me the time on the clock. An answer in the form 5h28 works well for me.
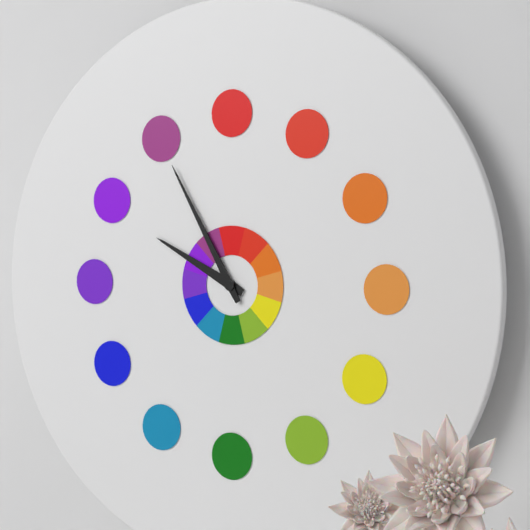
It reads 9h55
